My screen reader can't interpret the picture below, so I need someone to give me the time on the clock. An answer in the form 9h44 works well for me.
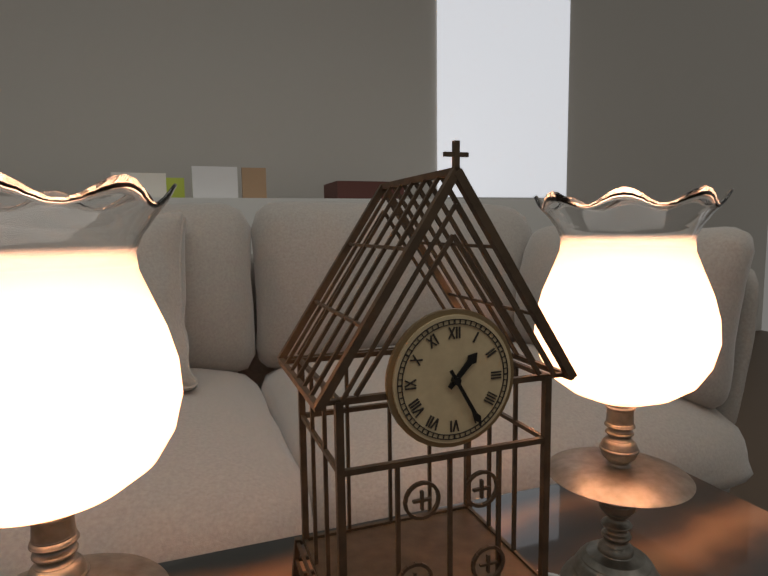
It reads 1h25
